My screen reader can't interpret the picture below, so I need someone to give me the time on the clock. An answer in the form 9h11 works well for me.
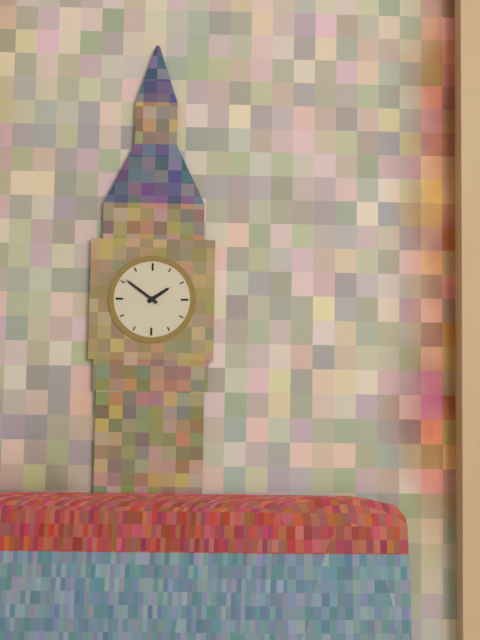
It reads 1h51
